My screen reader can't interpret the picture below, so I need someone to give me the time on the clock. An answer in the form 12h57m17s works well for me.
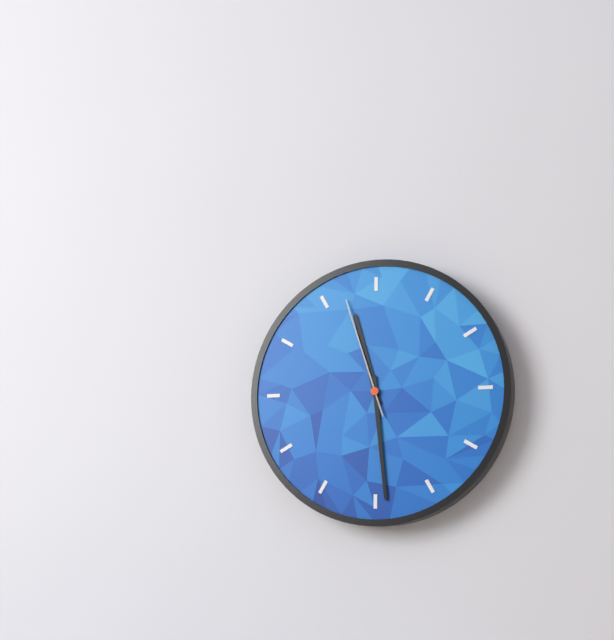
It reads 11h29m57s
